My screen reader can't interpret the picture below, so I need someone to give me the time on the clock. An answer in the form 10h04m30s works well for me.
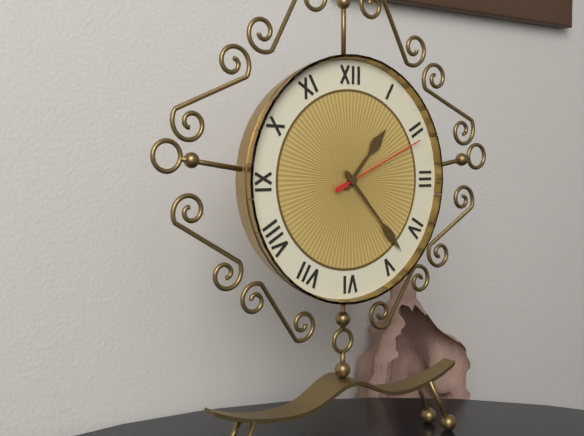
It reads 1h23m11s
